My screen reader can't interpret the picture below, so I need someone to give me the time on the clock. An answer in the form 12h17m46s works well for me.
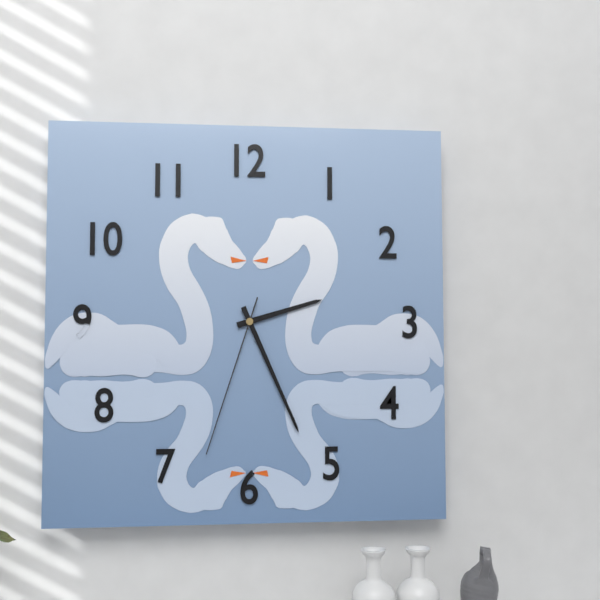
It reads 2h26m33s
